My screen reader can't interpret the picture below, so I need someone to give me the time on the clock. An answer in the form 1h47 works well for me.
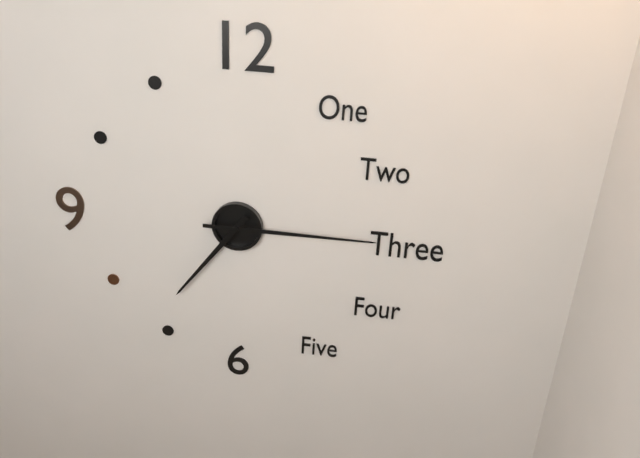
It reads 7h15
